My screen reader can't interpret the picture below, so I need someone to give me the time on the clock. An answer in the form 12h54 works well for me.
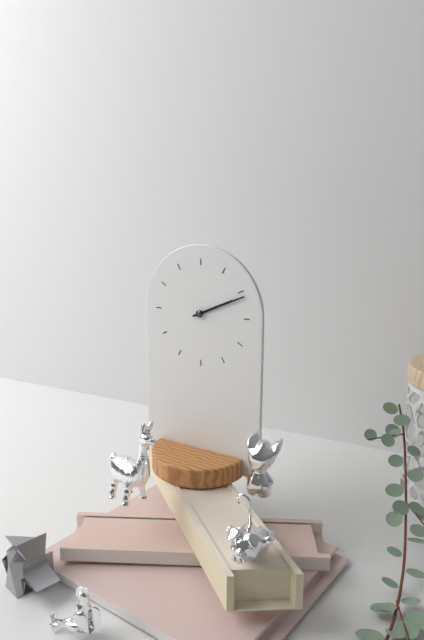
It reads 2h11
